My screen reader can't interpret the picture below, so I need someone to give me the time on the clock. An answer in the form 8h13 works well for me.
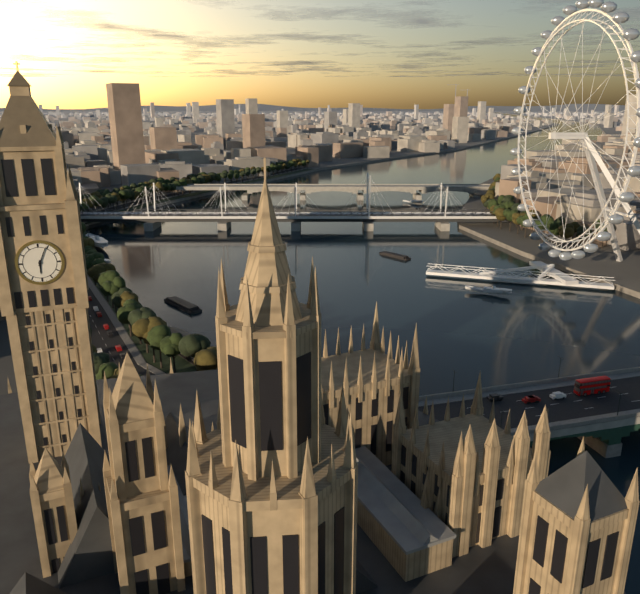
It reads 6h04
